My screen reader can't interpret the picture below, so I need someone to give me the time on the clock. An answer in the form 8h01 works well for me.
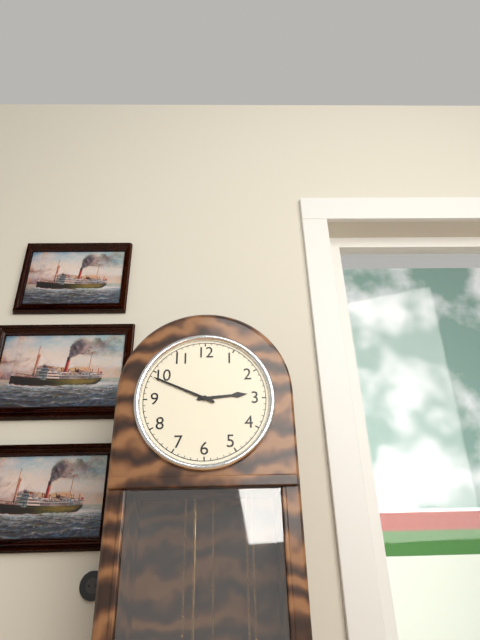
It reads 2h49
